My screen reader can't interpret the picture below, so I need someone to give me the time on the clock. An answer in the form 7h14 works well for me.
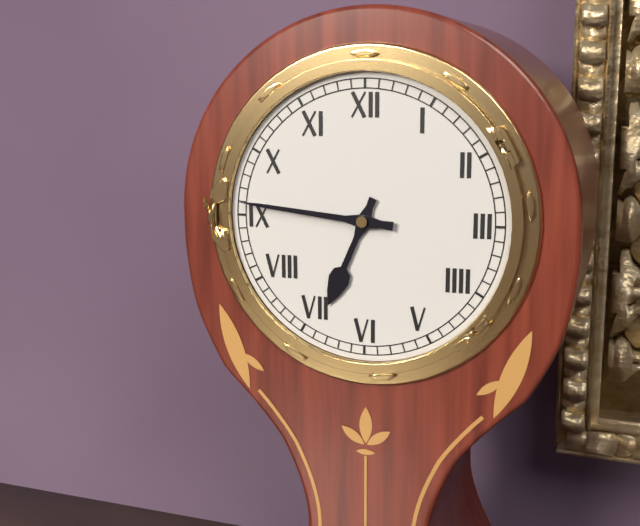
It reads 6h46
